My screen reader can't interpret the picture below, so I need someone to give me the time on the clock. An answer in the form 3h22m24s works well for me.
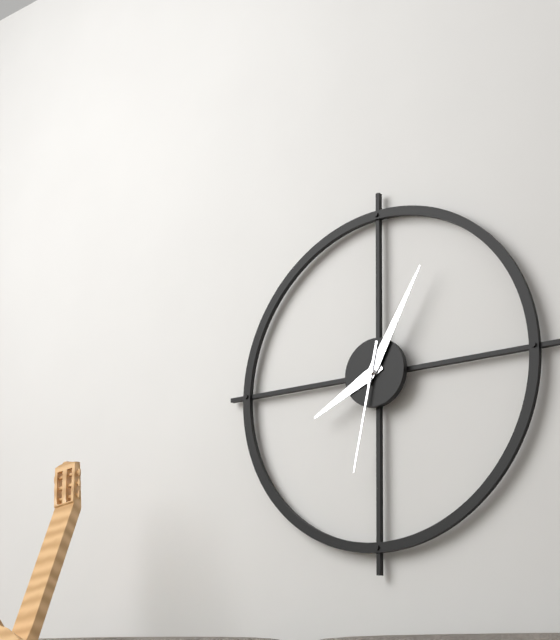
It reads 8h05m32s
